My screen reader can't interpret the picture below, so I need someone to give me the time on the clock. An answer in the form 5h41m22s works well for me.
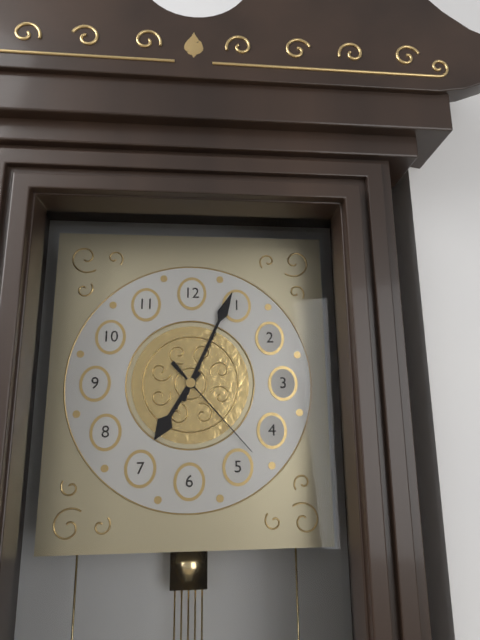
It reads 7h04m23s
